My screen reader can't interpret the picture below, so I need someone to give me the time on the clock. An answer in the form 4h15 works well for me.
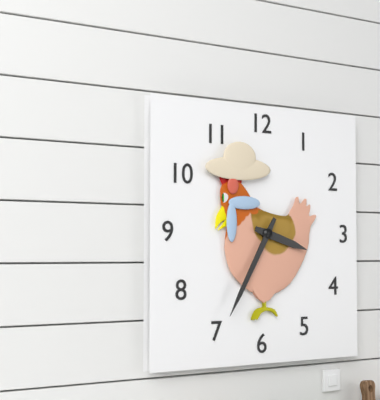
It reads 3h35
